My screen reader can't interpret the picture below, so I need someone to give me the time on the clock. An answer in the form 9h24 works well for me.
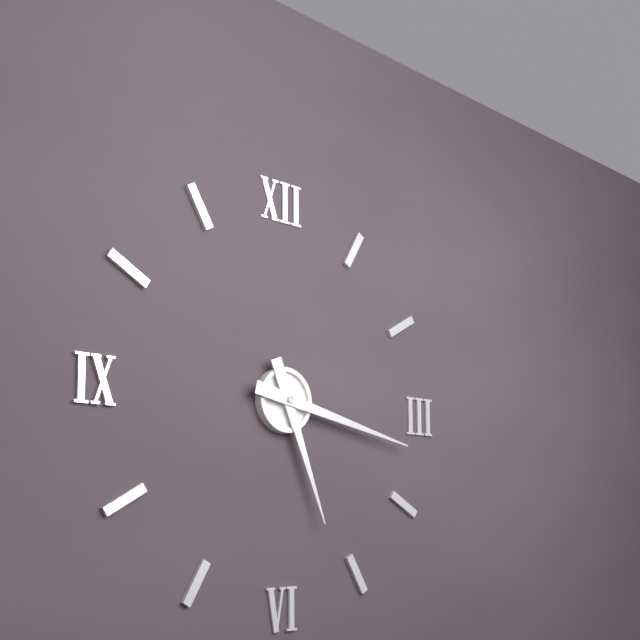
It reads 5h17
